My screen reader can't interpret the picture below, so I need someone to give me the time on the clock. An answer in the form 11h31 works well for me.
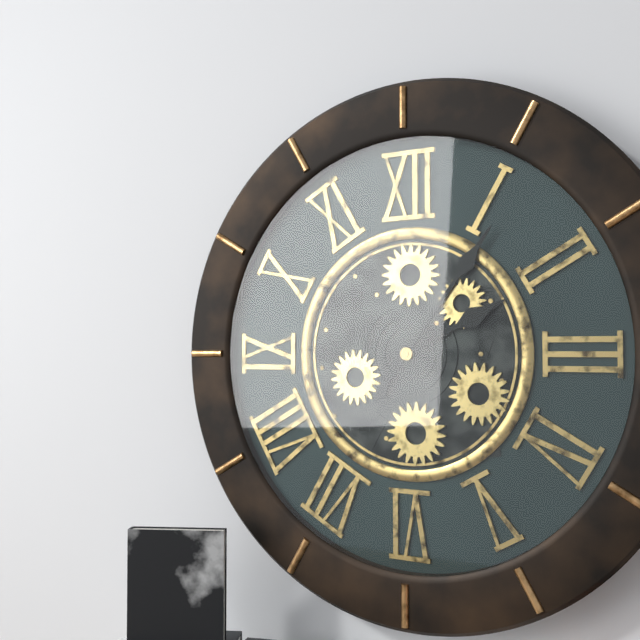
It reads 2h06
